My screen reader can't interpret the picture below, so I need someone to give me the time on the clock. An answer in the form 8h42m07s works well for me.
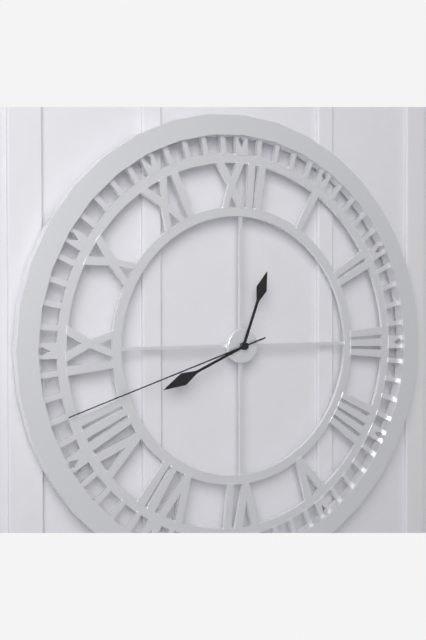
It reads 12h41m42s
